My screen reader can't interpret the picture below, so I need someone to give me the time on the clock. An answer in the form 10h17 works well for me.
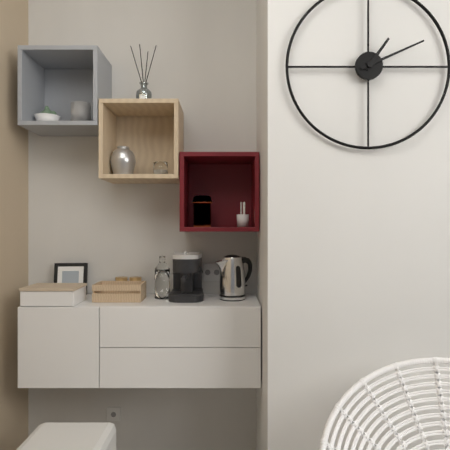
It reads 1h11
